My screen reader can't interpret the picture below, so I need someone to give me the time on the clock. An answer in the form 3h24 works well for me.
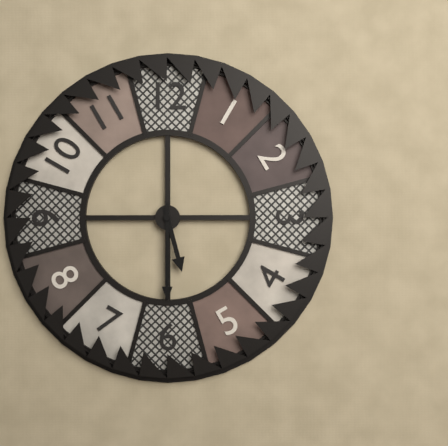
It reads 5h30
